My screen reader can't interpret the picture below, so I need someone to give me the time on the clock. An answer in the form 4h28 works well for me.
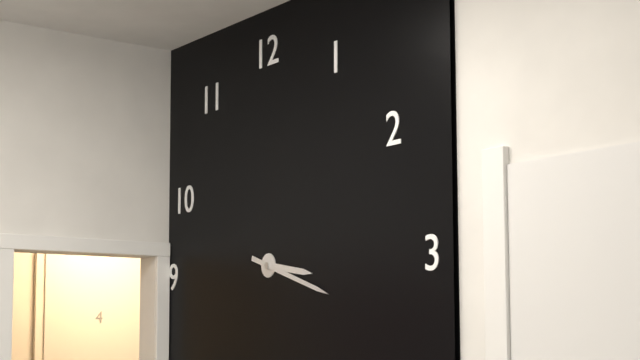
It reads 3h18
